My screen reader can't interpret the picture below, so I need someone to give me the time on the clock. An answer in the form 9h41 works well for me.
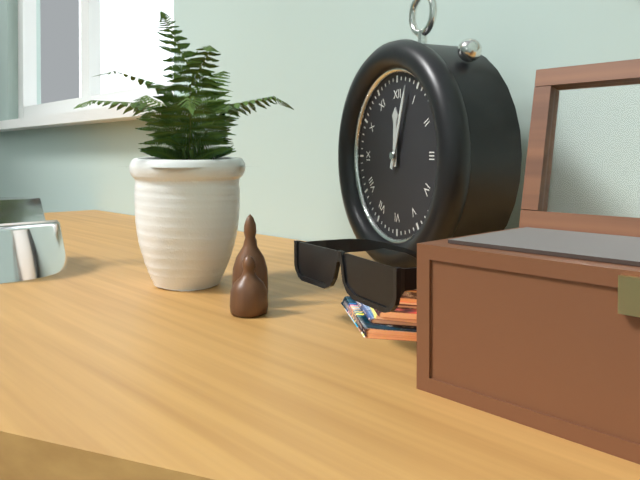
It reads 12h03
